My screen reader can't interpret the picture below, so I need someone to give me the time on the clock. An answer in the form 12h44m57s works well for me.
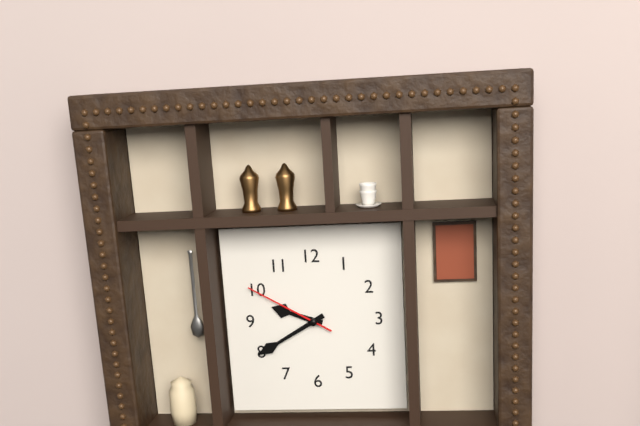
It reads 9h40m50s
